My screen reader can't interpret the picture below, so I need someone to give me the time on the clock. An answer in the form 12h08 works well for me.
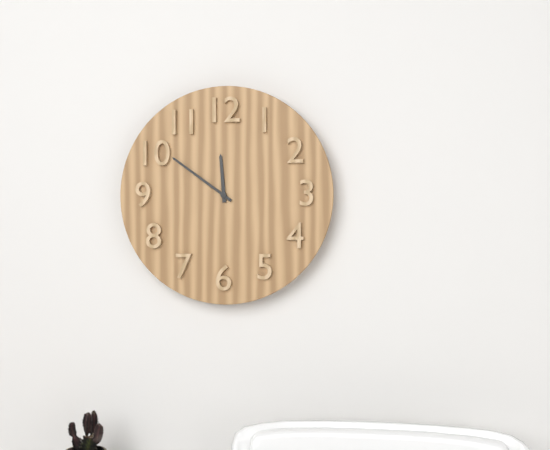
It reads 11h51
